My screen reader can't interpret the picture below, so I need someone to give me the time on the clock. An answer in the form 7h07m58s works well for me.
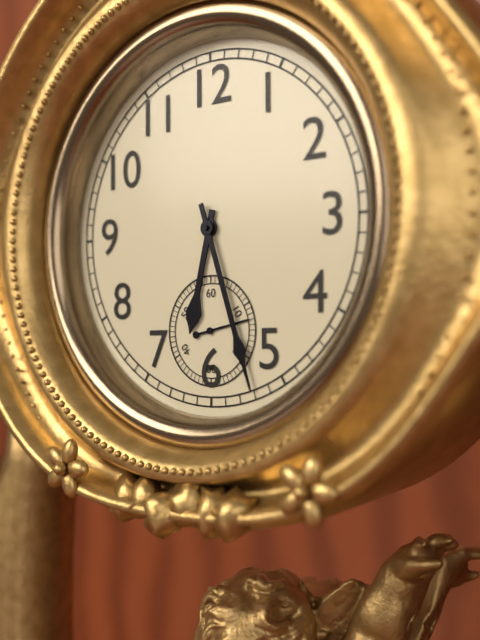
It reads 6h27m13s
